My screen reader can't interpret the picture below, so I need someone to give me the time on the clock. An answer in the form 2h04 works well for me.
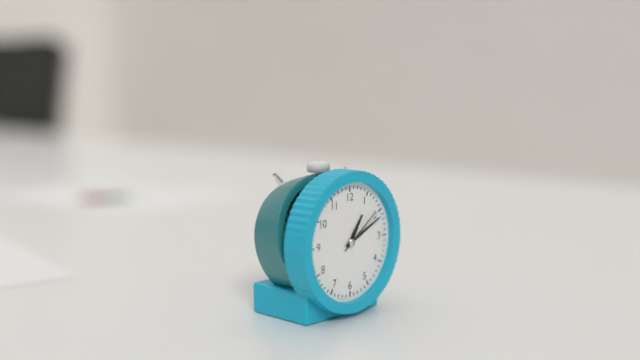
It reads 1h11
